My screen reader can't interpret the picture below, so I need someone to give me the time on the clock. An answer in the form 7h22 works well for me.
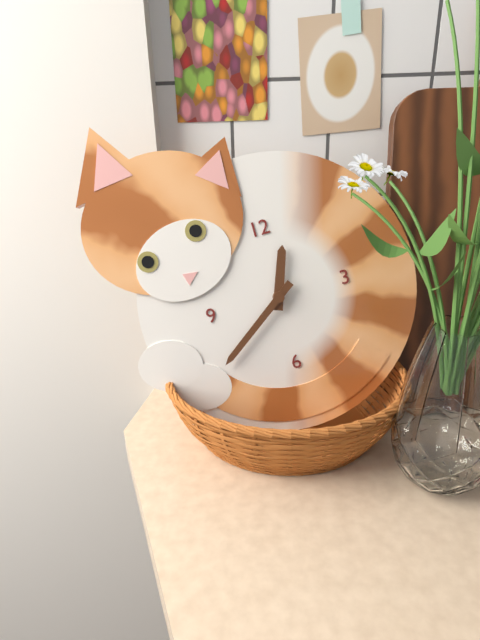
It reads 12h39
